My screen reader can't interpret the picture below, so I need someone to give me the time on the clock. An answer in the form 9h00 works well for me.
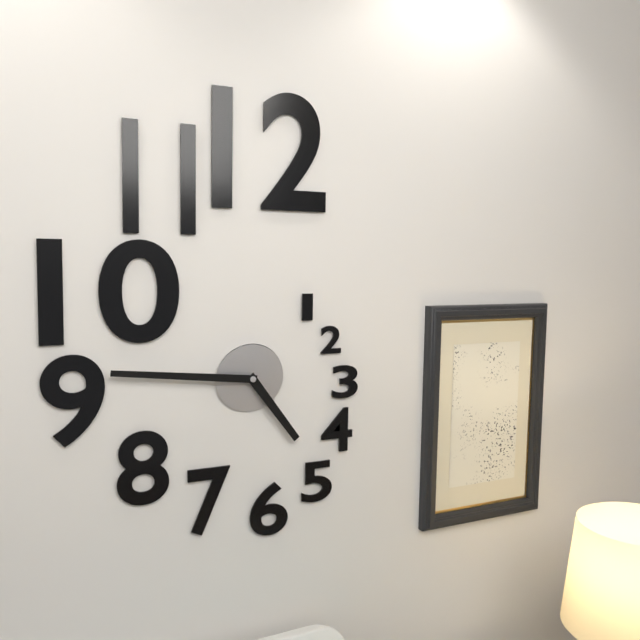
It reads 4h46
